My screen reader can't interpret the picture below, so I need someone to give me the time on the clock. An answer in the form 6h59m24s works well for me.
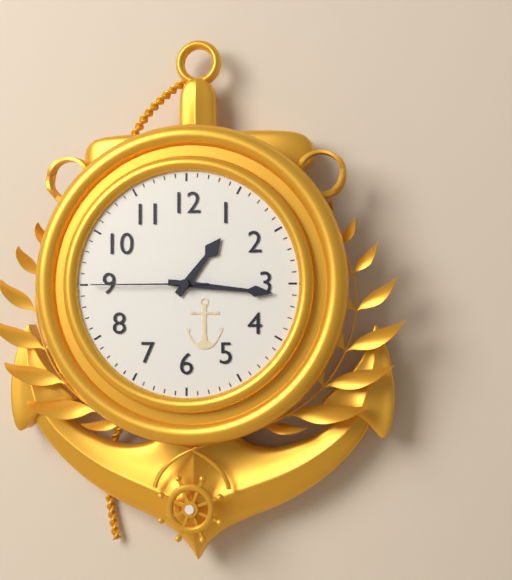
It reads 1h16m45s
